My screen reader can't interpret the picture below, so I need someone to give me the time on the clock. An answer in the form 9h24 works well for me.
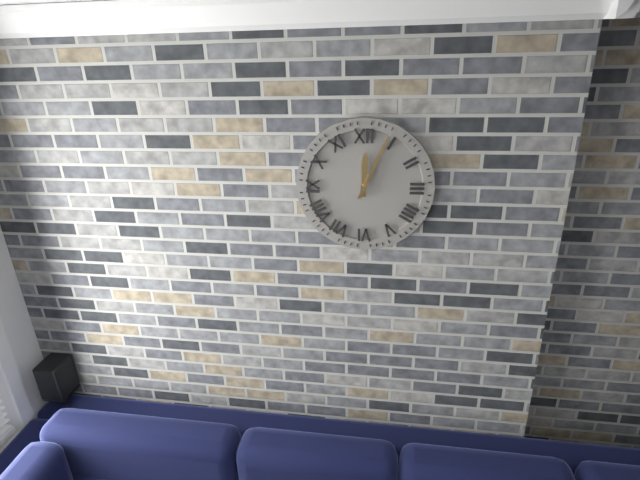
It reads 12h04
